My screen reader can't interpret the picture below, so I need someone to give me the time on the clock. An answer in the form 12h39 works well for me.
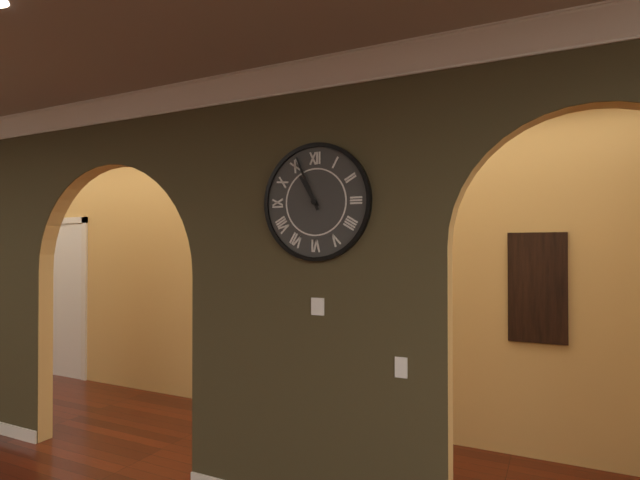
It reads 10h56
